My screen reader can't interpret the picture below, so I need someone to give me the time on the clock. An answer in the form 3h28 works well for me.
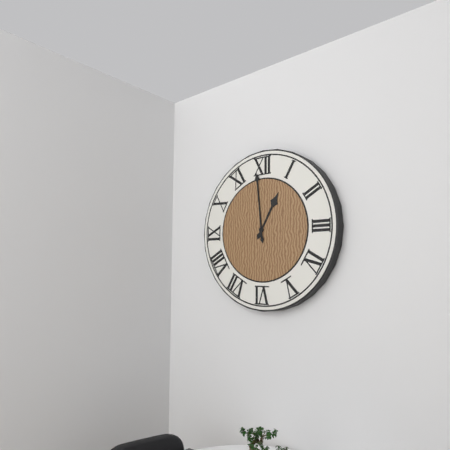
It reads 12h59
